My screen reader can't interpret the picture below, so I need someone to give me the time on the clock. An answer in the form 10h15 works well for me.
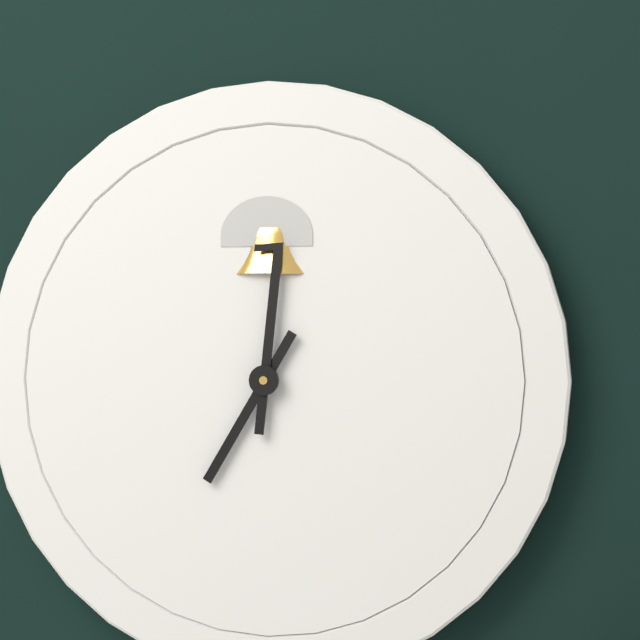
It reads 7h01
